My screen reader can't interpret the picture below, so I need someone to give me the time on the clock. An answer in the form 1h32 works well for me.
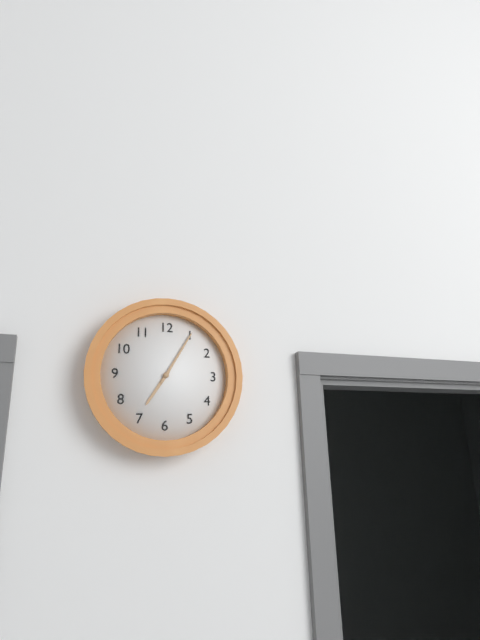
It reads 7h05
